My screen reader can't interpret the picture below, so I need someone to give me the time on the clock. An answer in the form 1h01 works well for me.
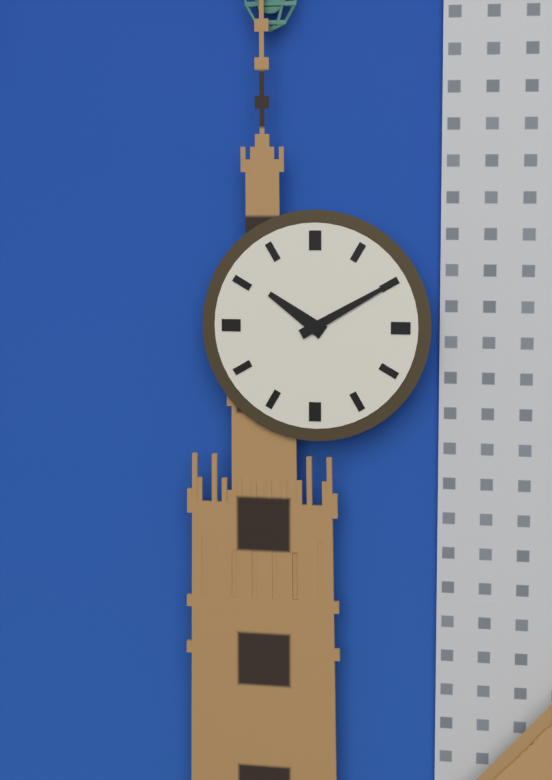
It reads 10h10
